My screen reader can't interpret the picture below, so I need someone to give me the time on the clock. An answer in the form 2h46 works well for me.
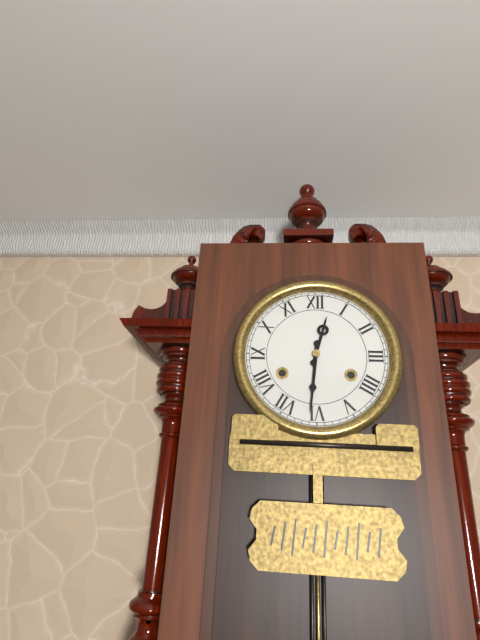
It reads 12h31
